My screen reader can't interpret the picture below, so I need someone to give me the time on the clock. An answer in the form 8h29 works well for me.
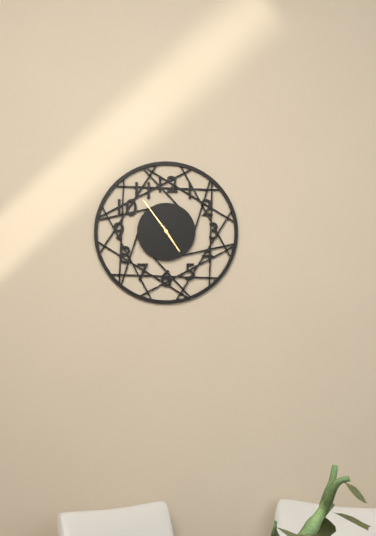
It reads 4h54
